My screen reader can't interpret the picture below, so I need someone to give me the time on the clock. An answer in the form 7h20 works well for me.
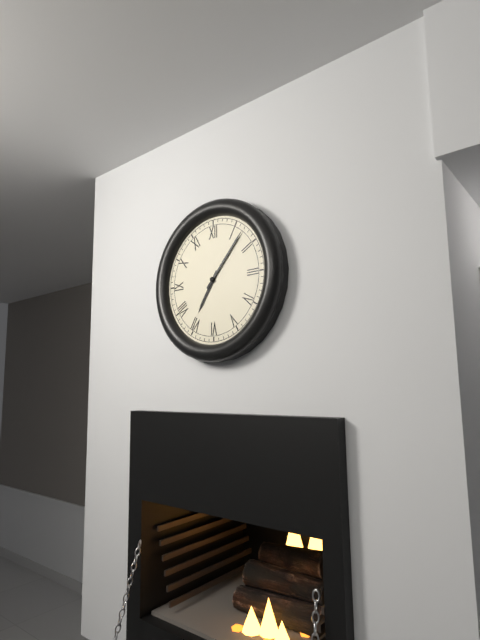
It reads 7h07
